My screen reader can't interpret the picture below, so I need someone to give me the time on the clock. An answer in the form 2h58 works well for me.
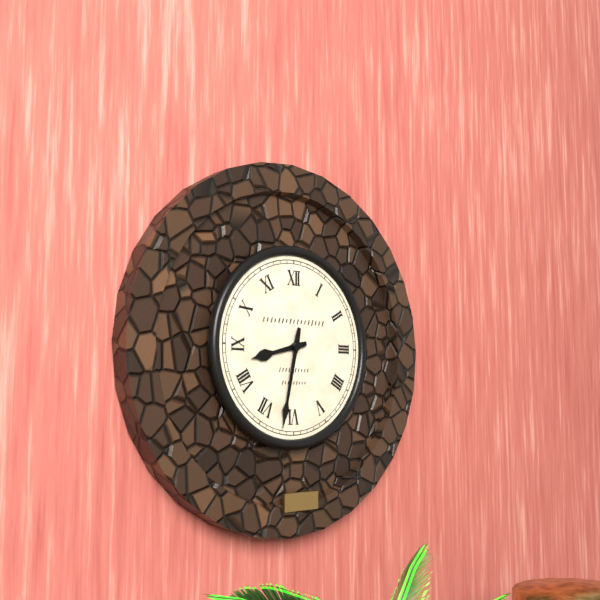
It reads 8h32
